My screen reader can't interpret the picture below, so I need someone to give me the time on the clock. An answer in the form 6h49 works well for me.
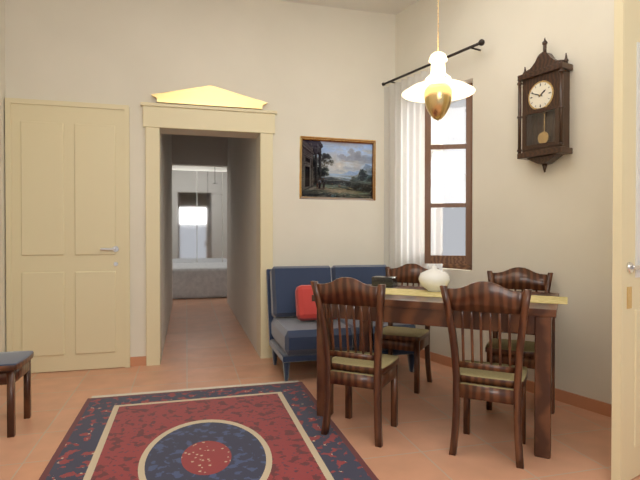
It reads 1h49
